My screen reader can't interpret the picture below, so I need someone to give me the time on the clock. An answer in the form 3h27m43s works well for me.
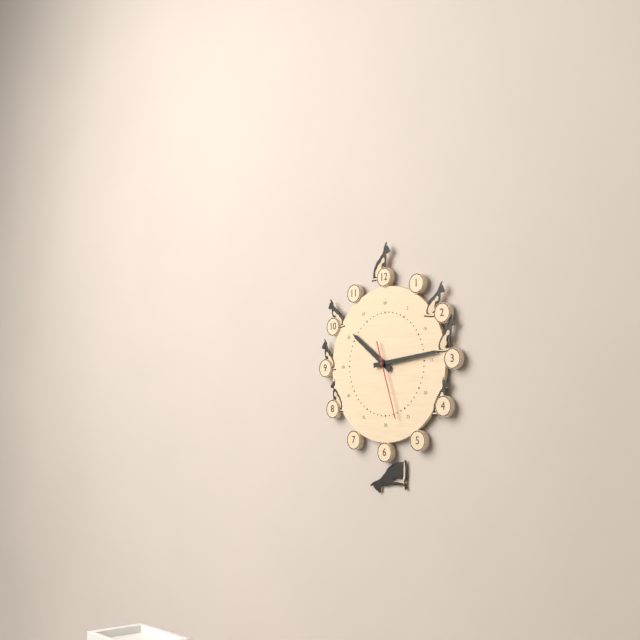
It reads 10h14m27s
